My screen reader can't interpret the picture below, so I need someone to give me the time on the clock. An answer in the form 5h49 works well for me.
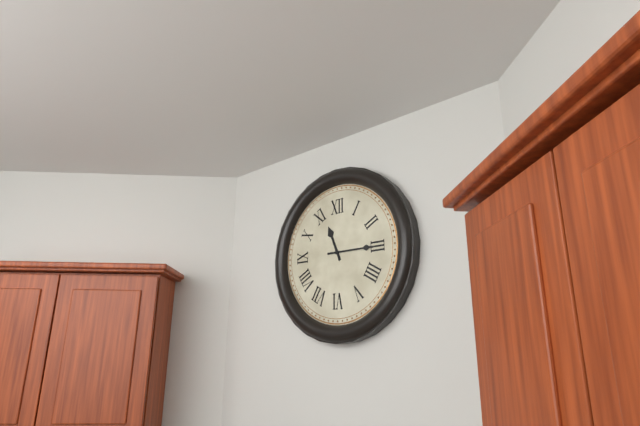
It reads 11h15
